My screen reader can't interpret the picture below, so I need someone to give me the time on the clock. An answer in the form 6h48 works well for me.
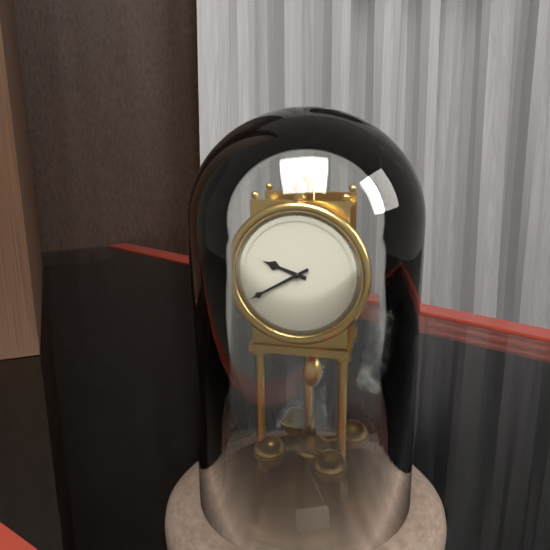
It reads 9h40
